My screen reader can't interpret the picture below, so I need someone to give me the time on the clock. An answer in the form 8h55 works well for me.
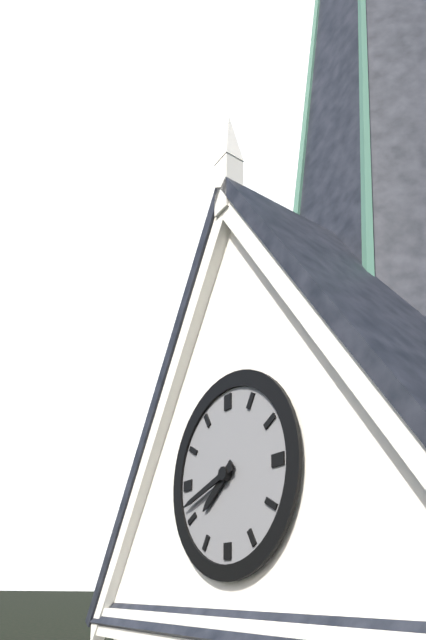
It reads 7h42
